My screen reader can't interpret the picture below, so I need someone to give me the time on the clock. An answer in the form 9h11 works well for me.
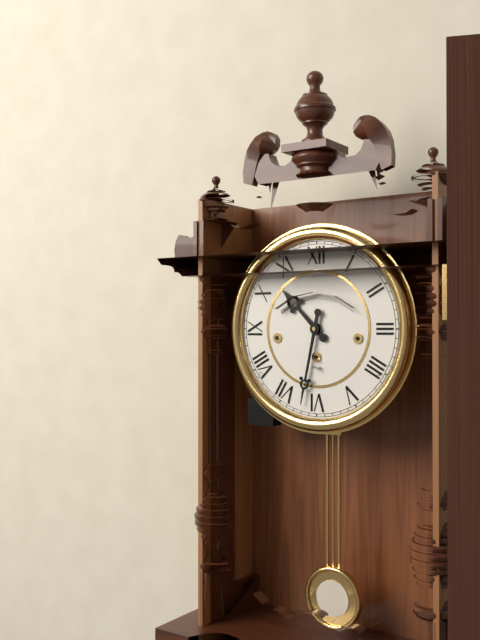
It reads 10h32
